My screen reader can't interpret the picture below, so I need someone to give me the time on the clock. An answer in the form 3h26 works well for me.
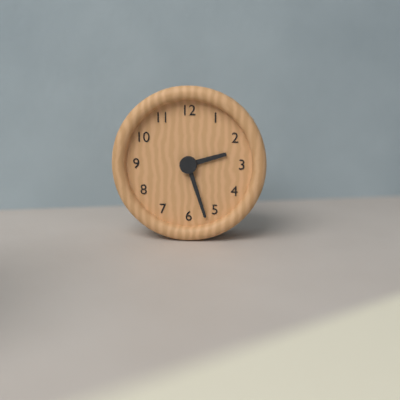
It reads 2h27
